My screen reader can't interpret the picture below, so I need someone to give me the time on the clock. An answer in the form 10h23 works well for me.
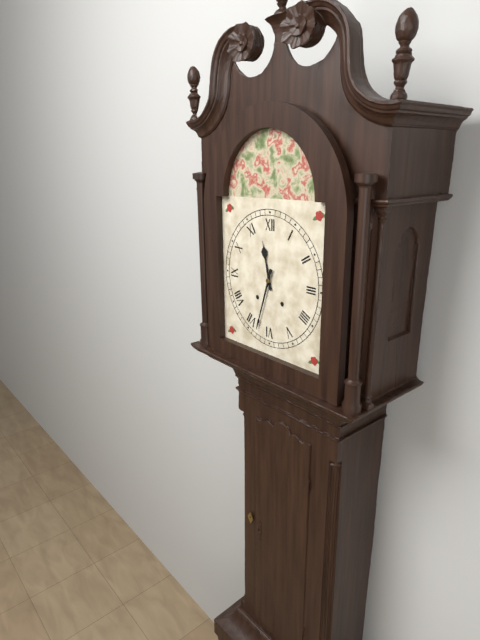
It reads 11h33
